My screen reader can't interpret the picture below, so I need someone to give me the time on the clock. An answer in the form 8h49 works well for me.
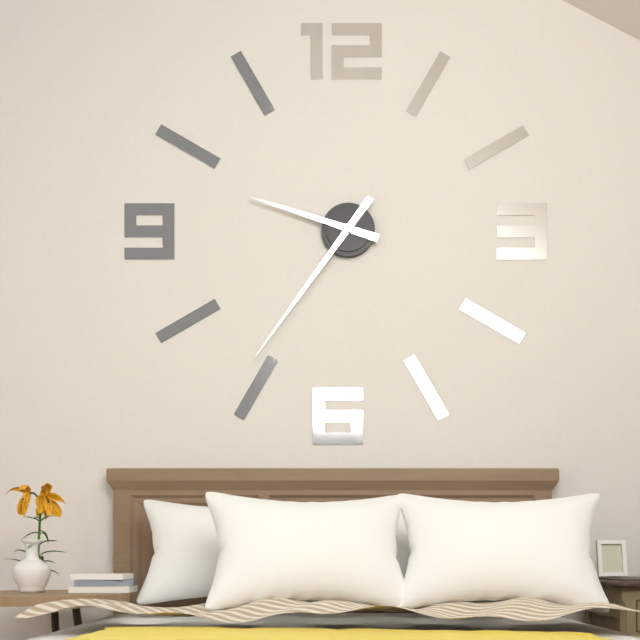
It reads 9h36
